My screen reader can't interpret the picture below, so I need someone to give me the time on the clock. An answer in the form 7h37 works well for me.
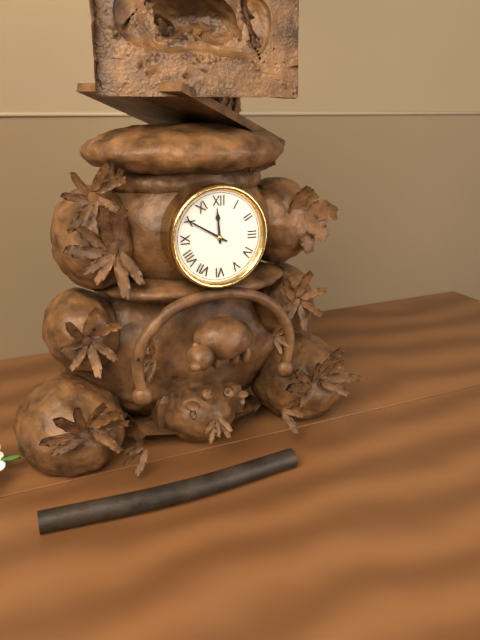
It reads 11h50
